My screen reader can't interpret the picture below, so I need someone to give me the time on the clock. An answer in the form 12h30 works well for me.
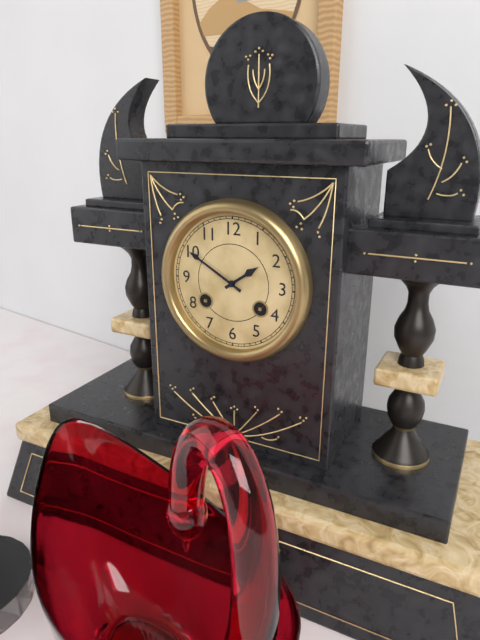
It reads 1h50
